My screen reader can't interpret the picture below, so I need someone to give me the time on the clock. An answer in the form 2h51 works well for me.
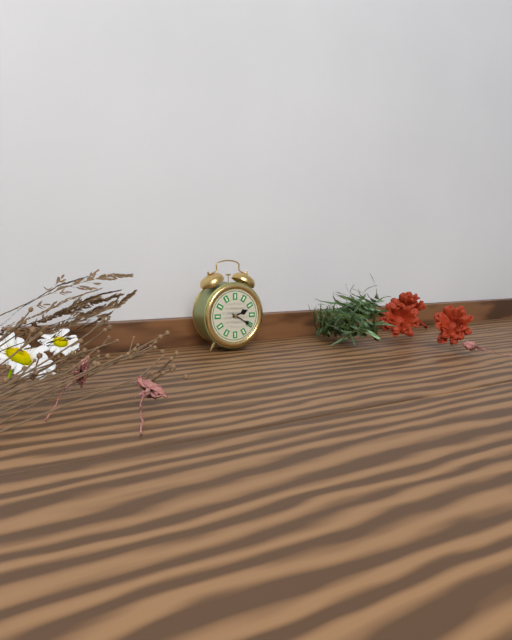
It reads 2h20
